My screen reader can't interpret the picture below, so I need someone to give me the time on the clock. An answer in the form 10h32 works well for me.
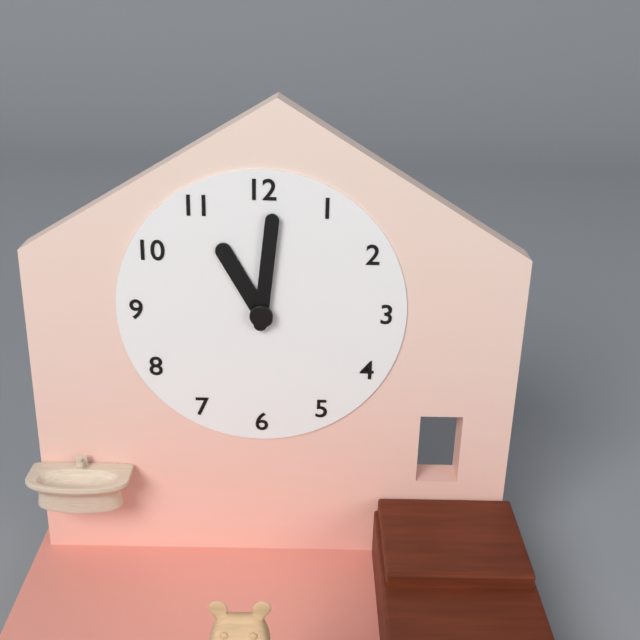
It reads 11h01
